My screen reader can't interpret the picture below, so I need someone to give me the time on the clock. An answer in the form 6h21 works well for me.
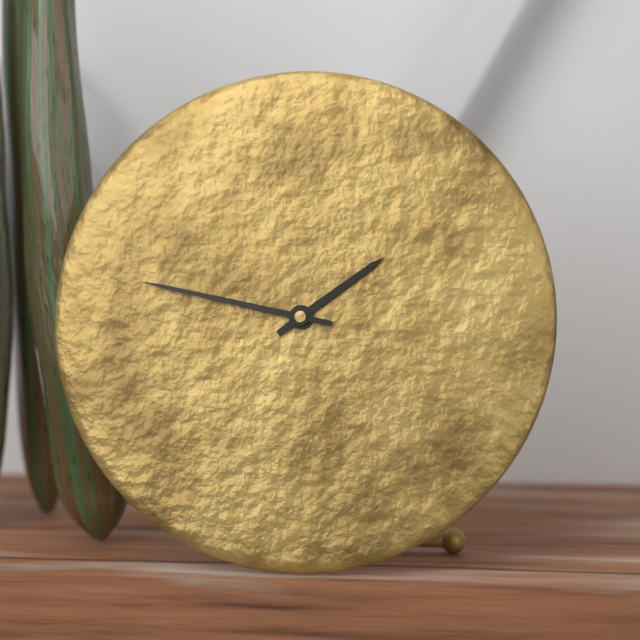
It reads 1h47
